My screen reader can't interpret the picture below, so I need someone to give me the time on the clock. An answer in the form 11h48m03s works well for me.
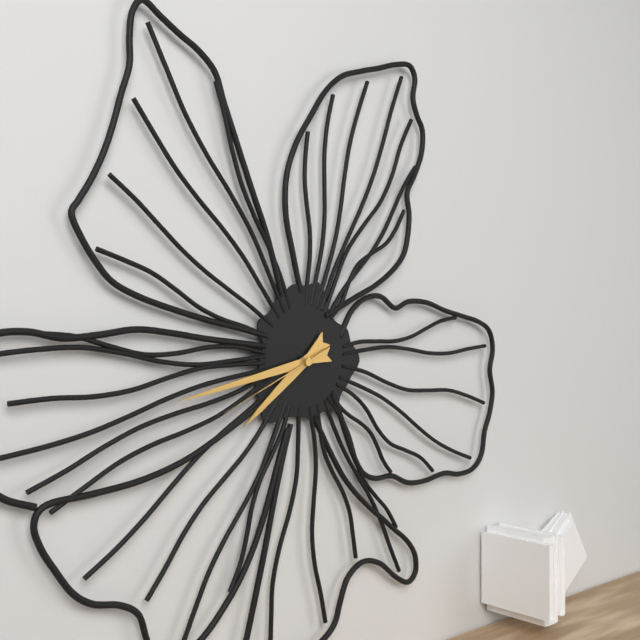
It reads 7h43m41s
